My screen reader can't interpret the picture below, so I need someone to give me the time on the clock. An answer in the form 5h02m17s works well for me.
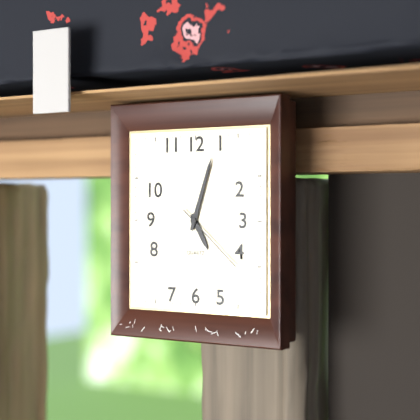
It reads 5h03m22s
